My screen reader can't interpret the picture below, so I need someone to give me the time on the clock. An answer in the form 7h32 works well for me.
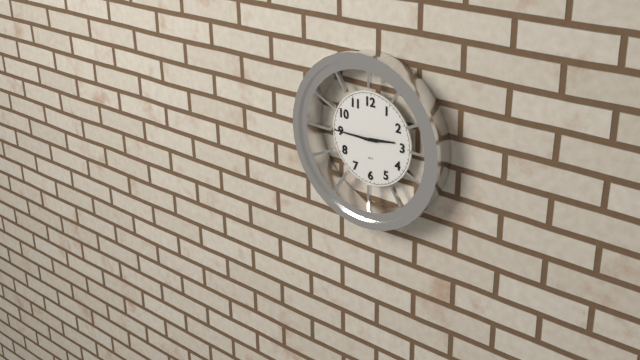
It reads 2h45
